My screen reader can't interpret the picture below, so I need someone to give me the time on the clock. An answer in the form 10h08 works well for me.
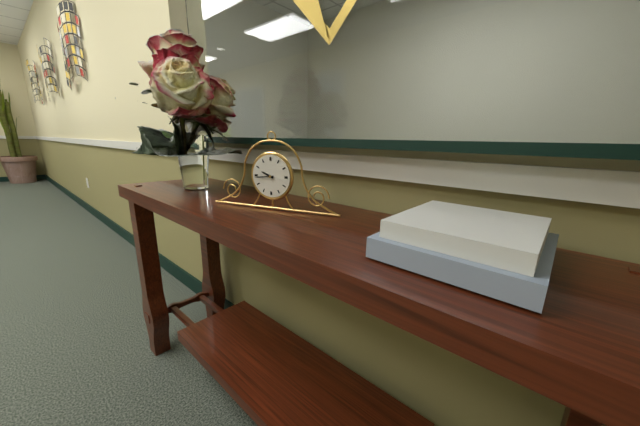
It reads 9h44
